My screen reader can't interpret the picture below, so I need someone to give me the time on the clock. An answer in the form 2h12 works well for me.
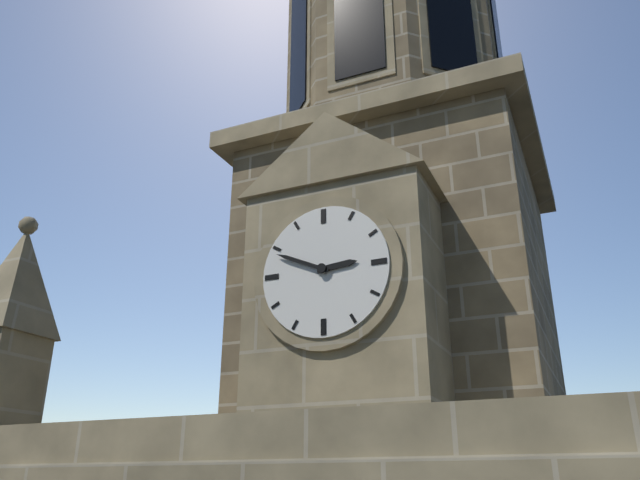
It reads 2h49
